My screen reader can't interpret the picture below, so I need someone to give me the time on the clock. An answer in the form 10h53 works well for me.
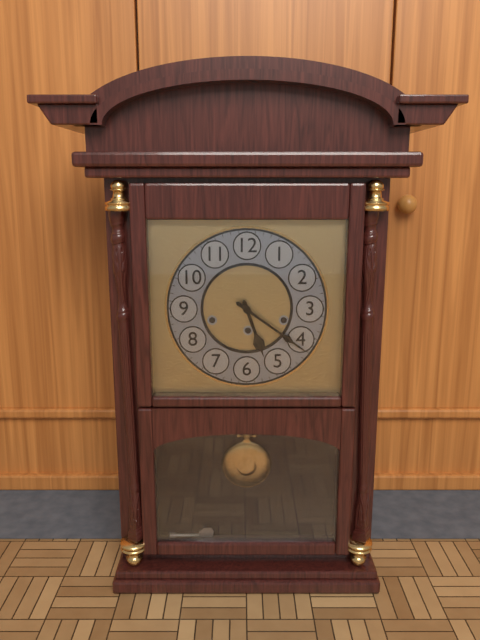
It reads 5h21
